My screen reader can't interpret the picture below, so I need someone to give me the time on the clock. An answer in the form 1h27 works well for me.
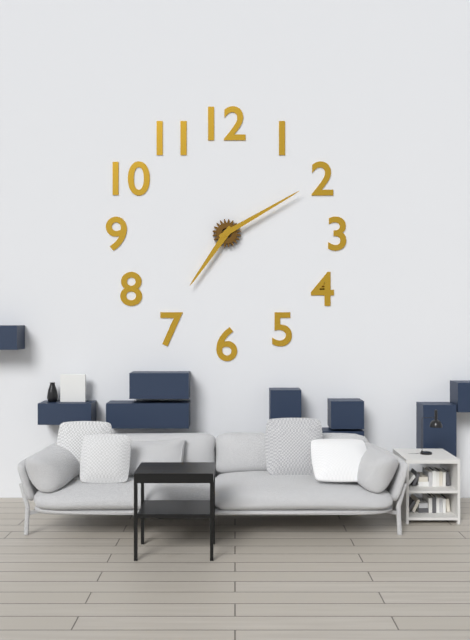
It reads 7h10
